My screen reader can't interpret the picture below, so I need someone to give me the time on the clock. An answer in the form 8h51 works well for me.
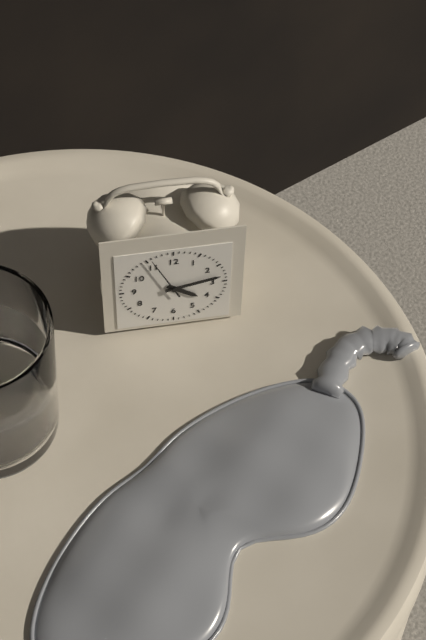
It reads 4h13
